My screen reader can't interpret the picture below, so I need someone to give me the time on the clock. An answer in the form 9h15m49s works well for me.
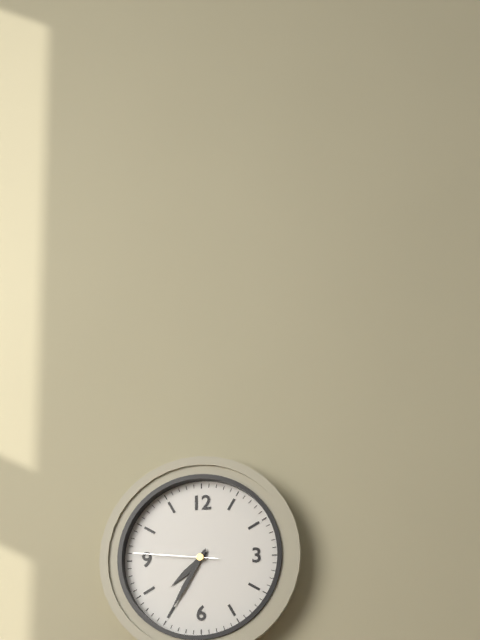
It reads 7h35m46s
